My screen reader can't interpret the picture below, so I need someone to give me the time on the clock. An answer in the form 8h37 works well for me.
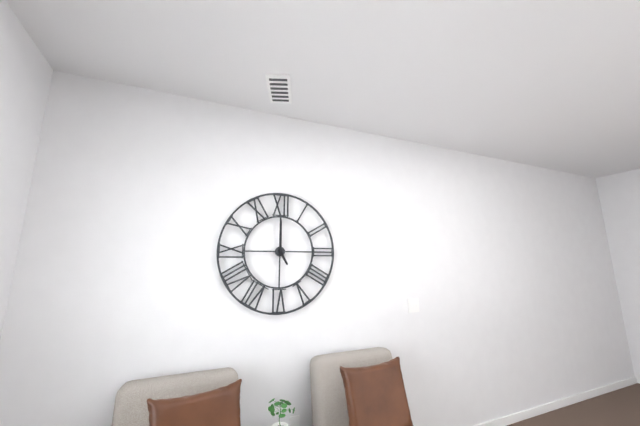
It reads 5h00
